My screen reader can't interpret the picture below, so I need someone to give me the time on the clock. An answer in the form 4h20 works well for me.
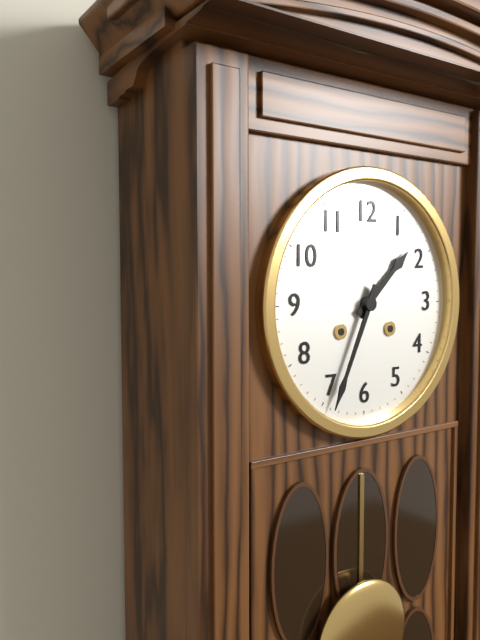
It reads 1h34
